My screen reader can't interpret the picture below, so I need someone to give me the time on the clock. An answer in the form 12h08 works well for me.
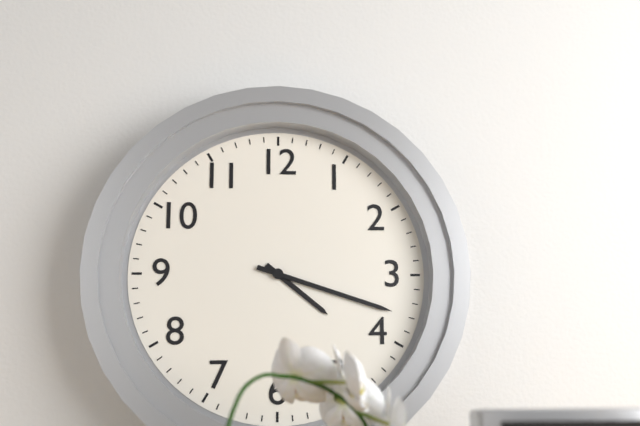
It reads 4h18
